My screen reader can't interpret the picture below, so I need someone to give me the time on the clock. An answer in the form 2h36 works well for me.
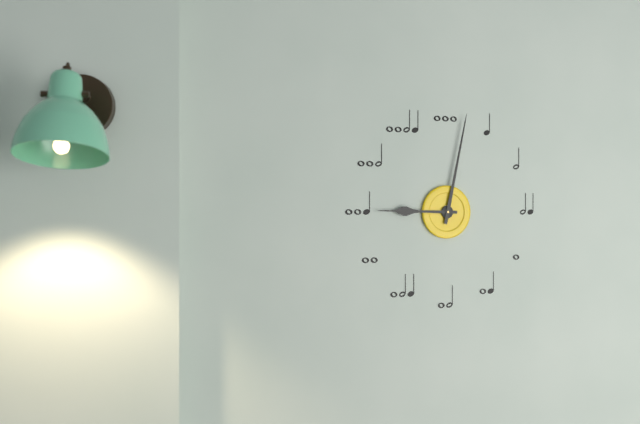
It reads 9h02
